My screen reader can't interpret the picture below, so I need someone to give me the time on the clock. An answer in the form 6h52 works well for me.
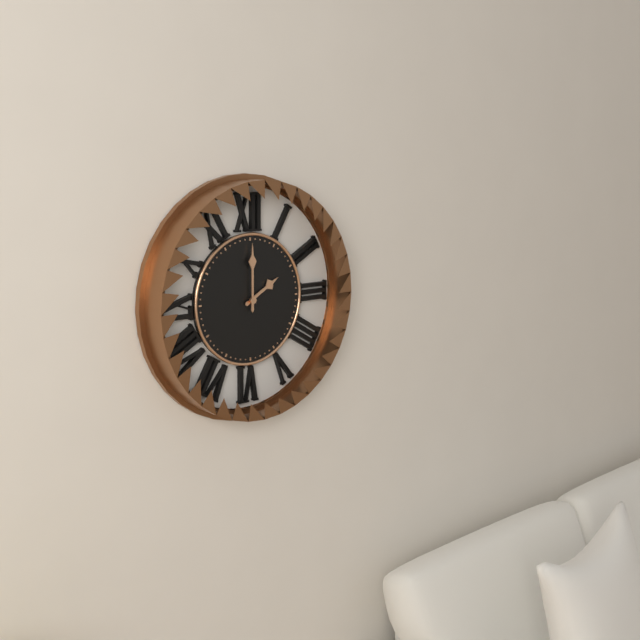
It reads 2h00
